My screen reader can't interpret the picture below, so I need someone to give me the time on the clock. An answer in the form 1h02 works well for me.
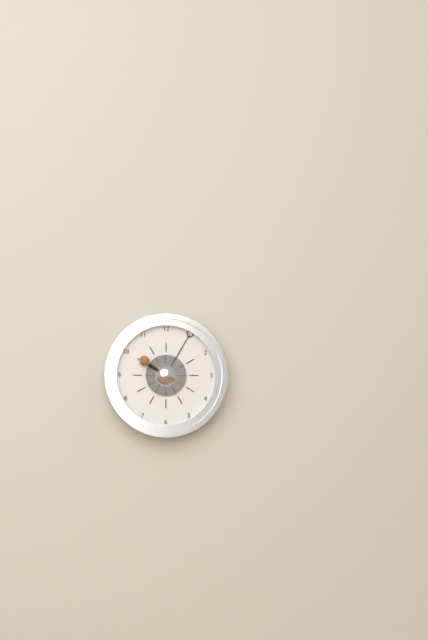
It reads 10h05
